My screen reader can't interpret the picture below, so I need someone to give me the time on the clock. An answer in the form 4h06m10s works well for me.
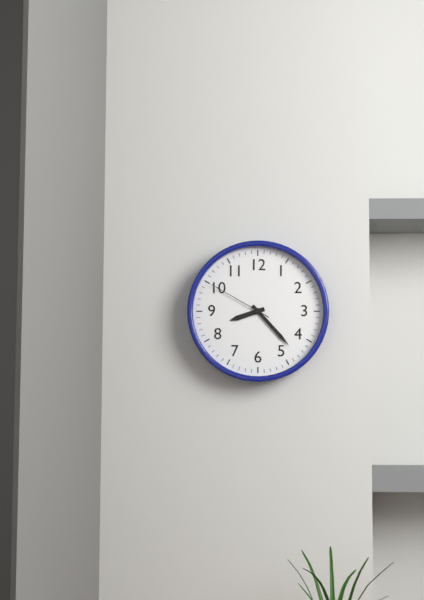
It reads 8h23m50s
